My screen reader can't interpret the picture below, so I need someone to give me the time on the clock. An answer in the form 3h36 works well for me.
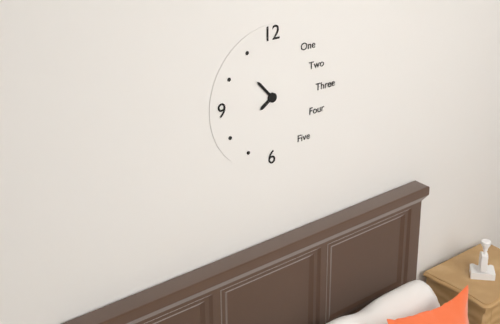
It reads 7h53
